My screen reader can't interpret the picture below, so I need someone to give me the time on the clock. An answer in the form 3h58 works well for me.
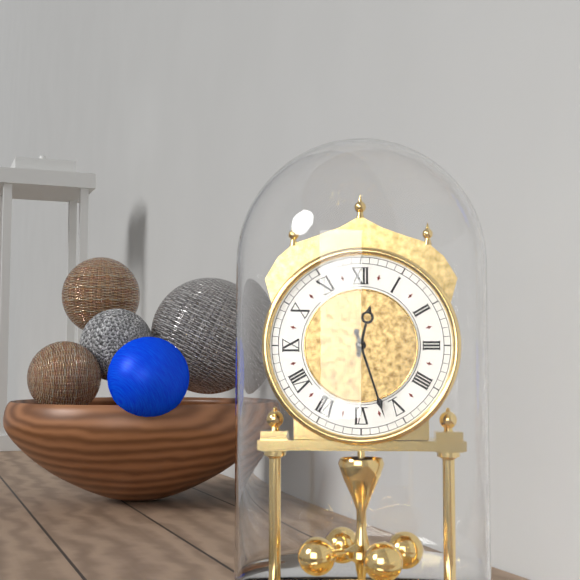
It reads 12h27
